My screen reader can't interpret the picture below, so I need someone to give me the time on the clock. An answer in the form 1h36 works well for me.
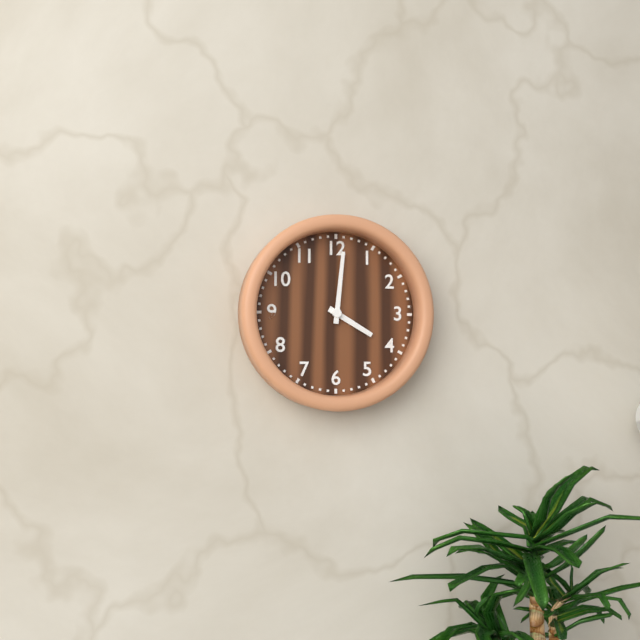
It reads 4h01
